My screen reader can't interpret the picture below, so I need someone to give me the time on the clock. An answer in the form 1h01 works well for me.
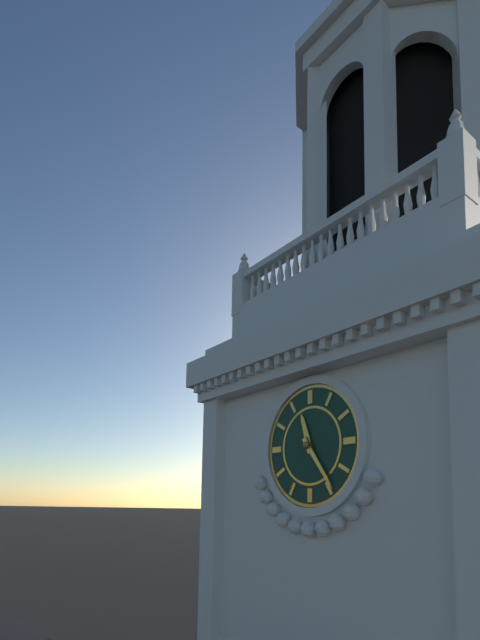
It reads 11h24
